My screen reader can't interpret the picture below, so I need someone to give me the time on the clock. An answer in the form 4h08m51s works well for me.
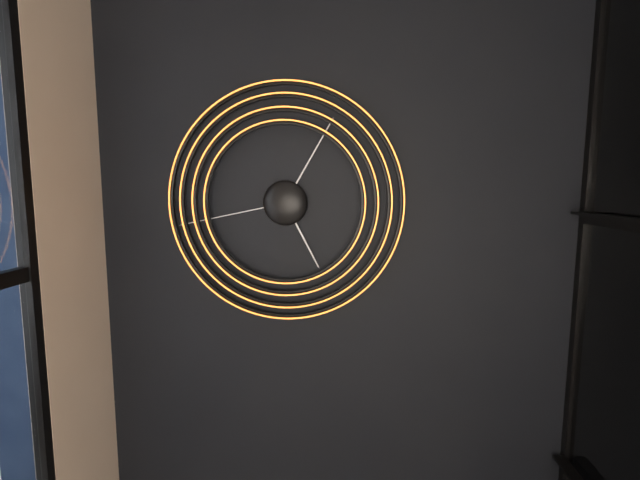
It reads 5h05m43s
